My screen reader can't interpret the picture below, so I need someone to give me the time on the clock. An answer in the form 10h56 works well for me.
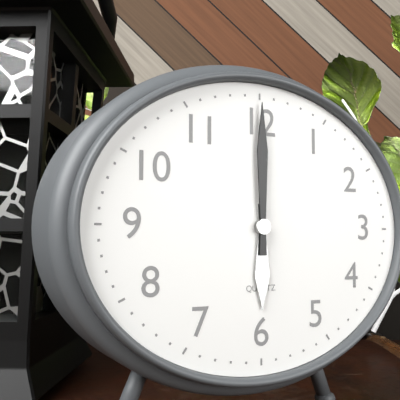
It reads 6h00
